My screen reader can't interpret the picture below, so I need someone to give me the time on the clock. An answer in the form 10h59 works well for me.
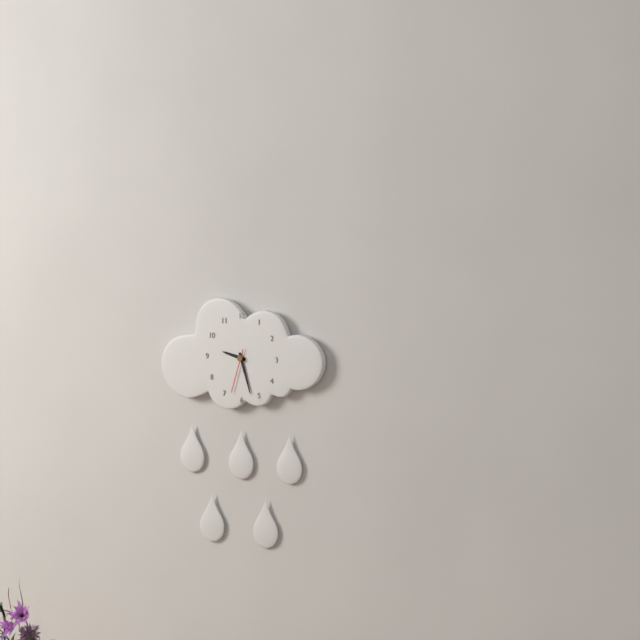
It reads 9h27
